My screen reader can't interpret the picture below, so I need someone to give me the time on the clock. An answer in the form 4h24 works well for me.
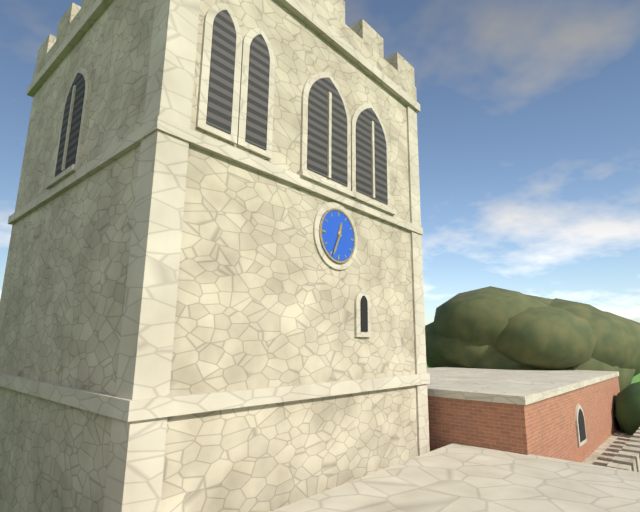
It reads 12h34
